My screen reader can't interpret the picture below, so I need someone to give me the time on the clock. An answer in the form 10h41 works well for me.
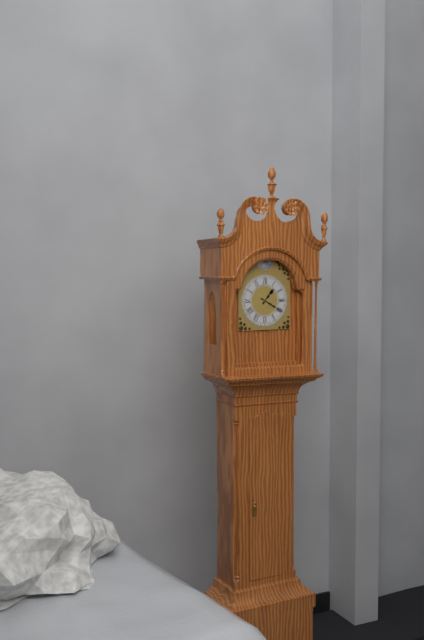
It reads 1h20
